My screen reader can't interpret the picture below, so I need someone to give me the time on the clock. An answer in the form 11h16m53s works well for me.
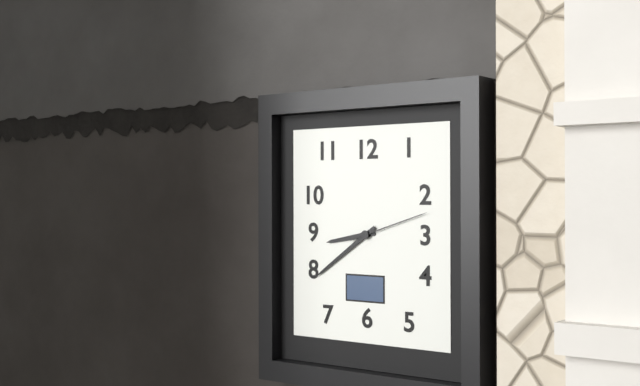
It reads 8h39m12s
